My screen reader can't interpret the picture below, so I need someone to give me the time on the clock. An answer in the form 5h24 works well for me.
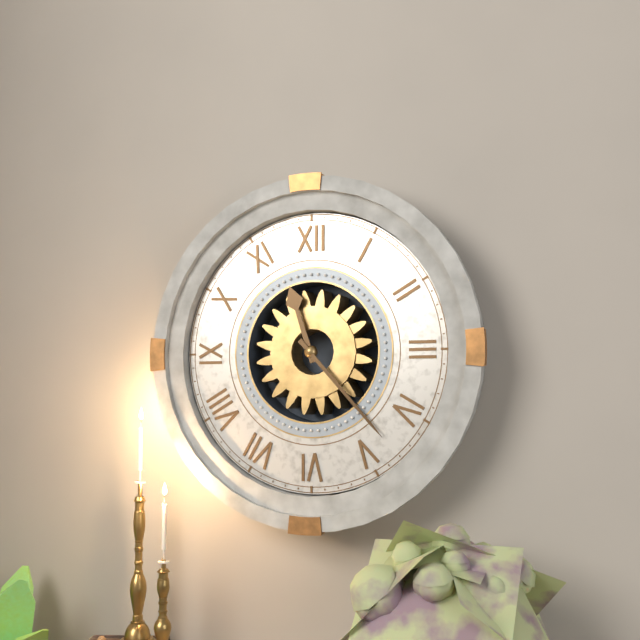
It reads 11h23
